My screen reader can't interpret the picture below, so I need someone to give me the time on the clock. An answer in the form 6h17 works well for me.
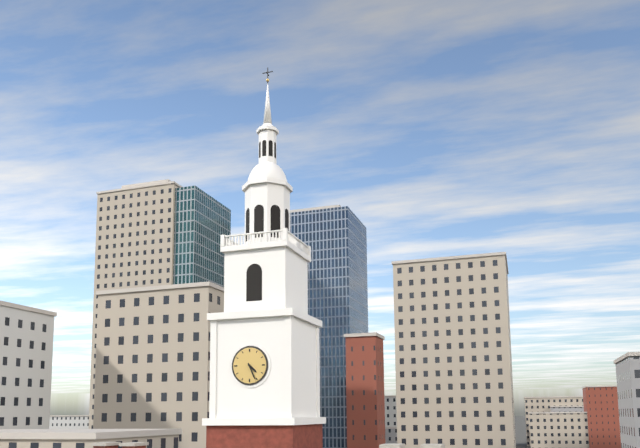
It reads 4h26
